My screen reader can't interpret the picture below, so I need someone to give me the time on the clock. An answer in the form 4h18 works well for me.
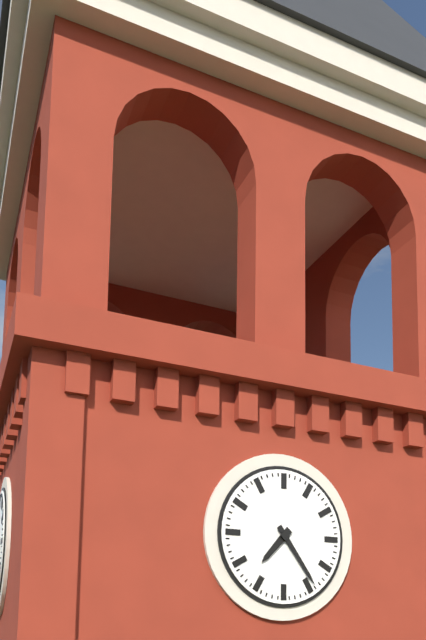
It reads 7h24
